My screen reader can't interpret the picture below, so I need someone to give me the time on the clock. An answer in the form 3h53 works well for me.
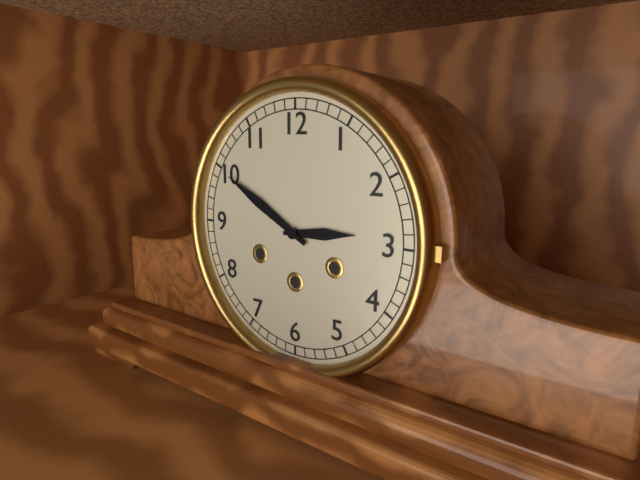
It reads 2h50
